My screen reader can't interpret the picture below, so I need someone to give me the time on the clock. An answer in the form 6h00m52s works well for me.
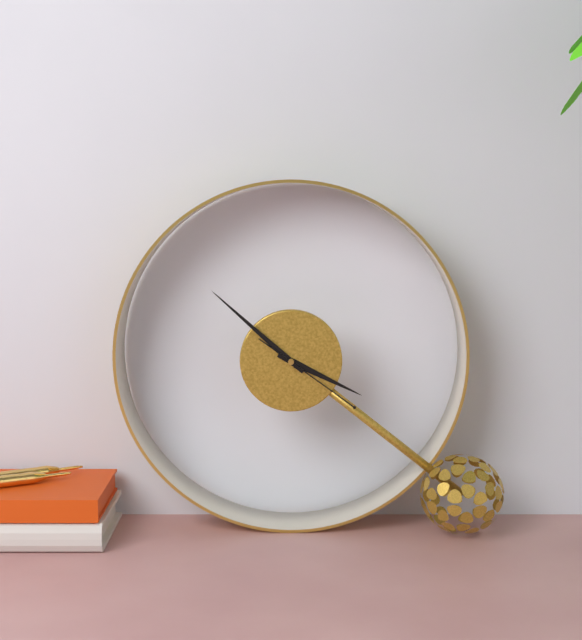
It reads 3h52m21s
